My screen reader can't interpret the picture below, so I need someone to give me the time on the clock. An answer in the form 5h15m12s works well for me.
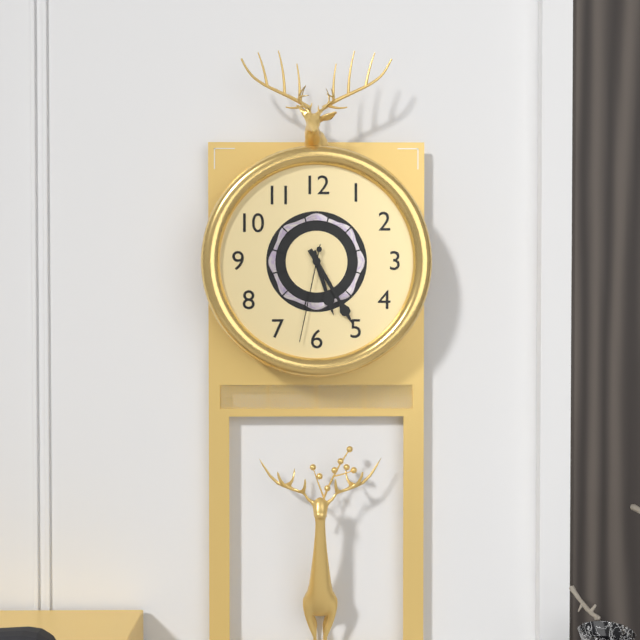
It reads 5h25m32s
